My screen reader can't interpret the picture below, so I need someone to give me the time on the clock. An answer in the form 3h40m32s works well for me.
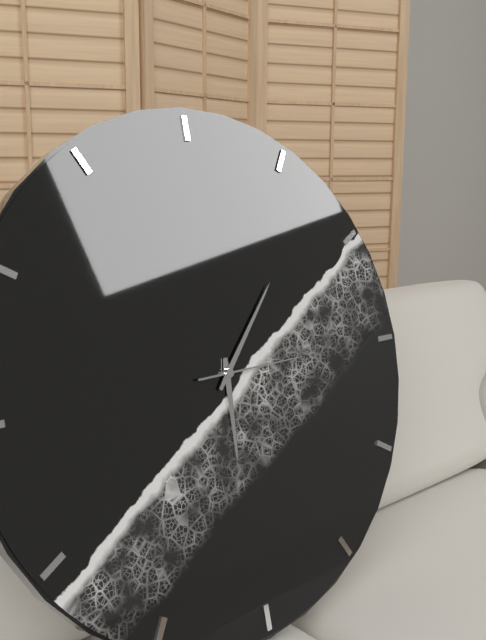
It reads 6h07m15s
